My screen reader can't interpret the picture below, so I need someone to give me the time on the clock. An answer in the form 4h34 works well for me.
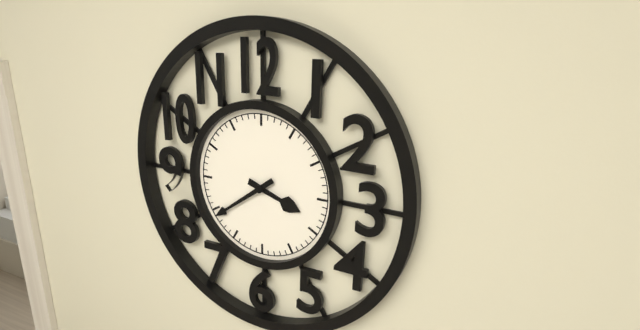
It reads 3h39
